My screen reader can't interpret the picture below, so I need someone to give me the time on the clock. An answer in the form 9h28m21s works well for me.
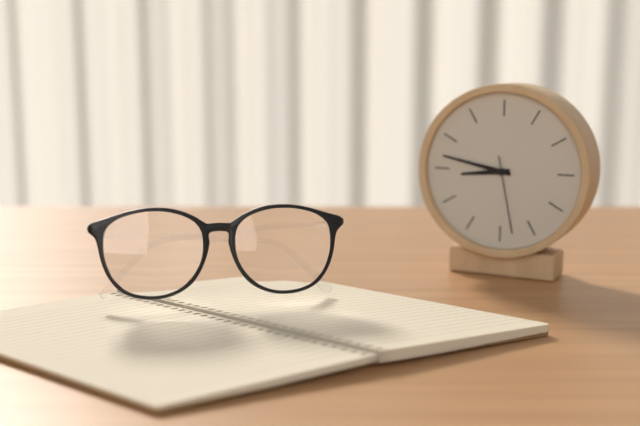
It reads 8h47m28s
